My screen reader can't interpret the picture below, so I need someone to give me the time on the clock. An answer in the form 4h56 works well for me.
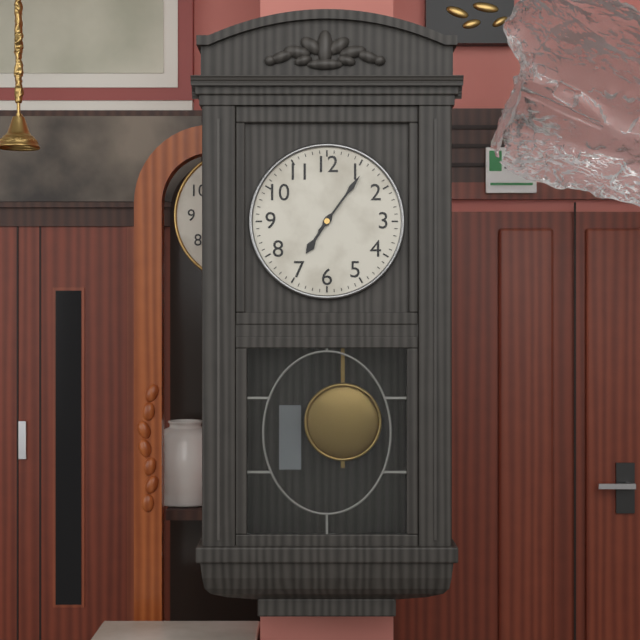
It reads 7h06
